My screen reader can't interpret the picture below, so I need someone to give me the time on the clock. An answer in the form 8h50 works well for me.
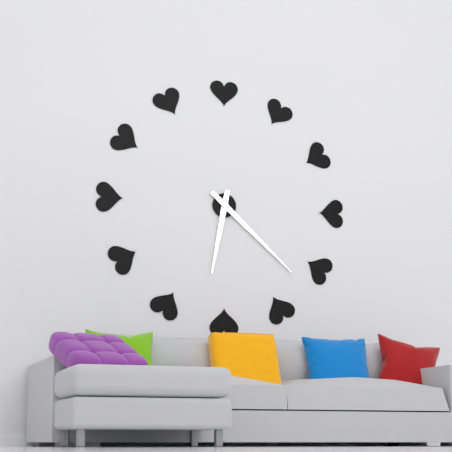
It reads 6h22
